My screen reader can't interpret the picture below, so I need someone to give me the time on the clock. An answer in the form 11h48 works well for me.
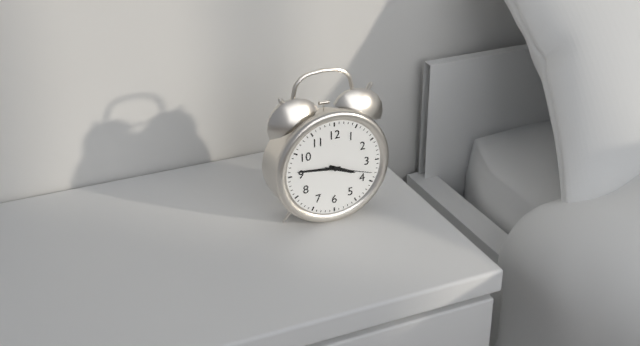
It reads 3h46
